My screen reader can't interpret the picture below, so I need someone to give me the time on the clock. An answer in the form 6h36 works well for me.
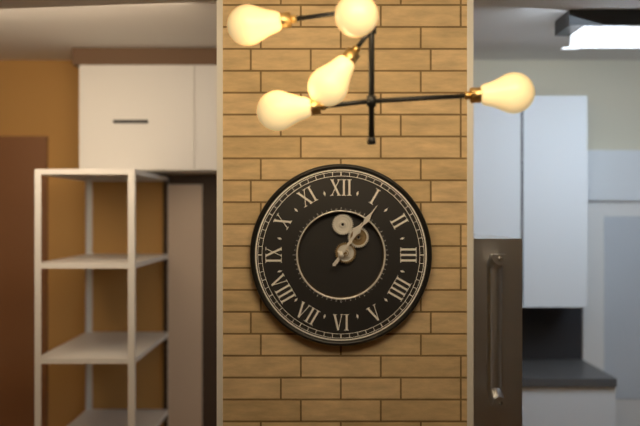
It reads 1h06
